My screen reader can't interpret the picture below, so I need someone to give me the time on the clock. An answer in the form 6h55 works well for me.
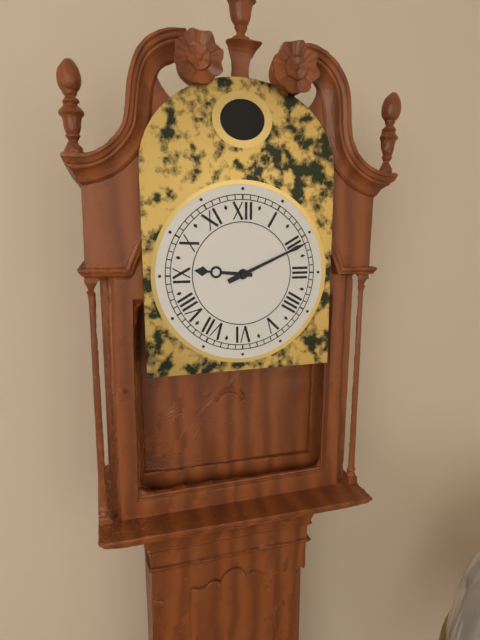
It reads 9h11
